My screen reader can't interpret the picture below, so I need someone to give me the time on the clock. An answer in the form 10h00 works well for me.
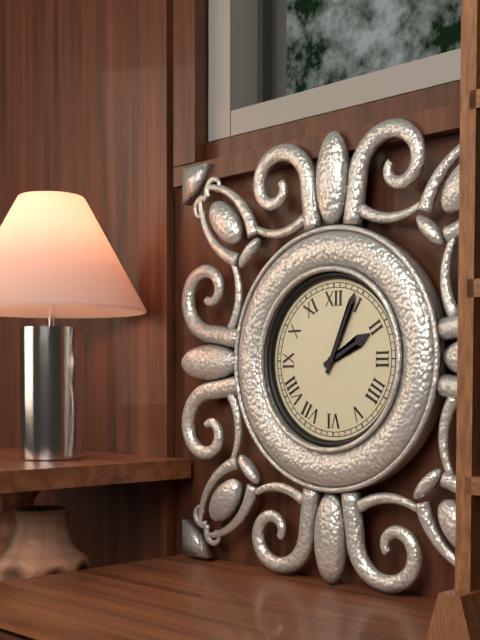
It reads 2h04
